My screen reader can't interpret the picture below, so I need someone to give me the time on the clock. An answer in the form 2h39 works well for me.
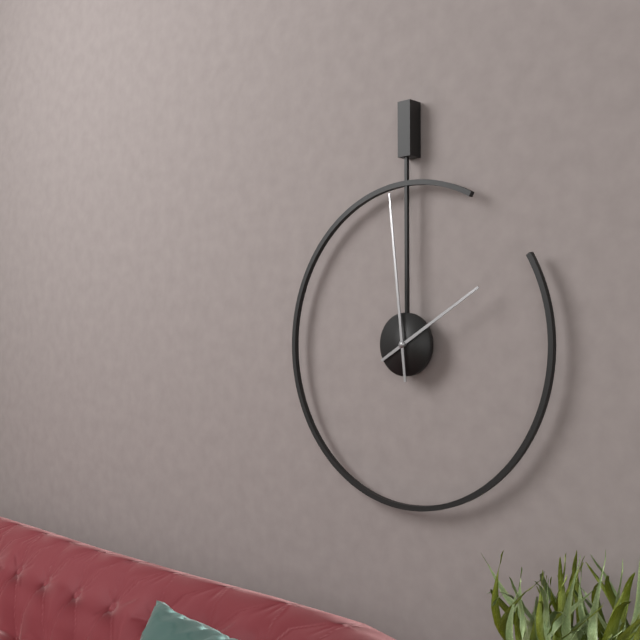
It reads 1h59
